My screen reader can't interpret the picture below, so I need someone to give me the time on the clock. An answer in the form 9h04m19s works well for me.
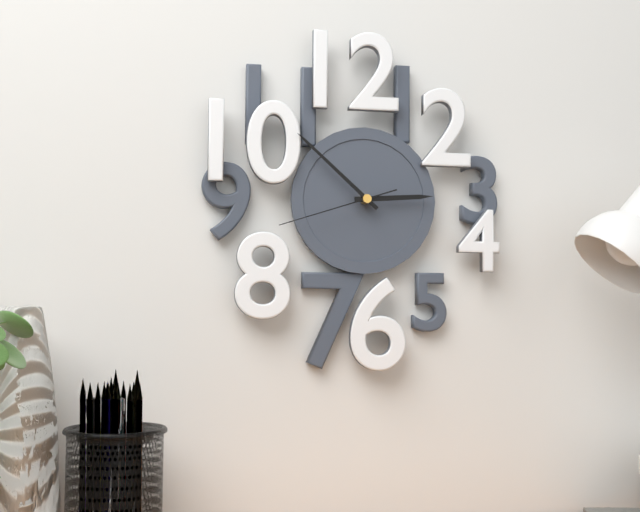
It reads 2h52m42s
